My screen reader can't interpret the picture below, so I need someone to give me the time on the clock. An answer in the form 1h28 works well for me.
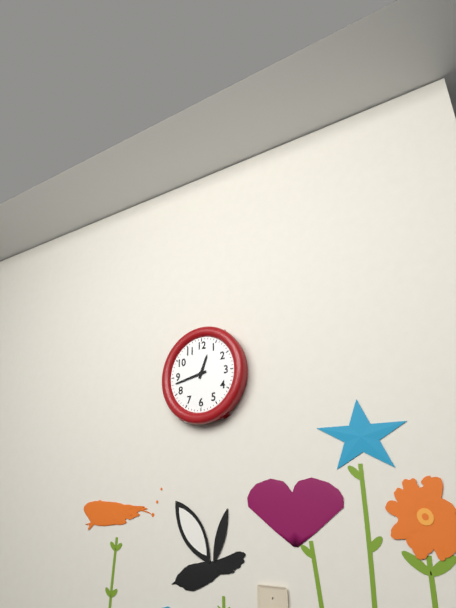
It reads 12h43
